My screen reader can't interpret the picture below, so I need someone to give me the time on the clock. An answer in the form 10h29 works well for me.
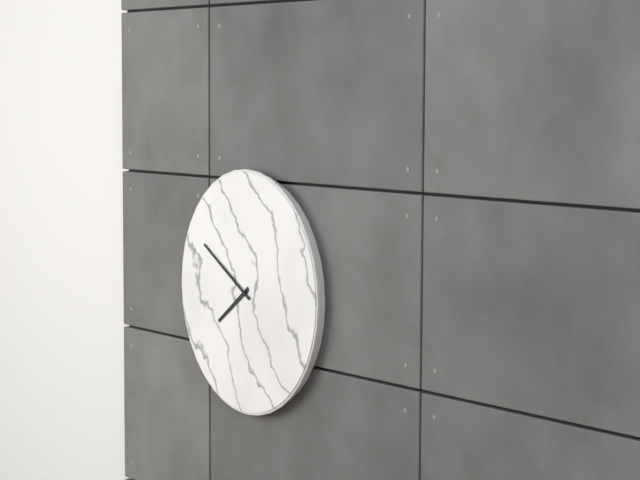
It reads 7h50
